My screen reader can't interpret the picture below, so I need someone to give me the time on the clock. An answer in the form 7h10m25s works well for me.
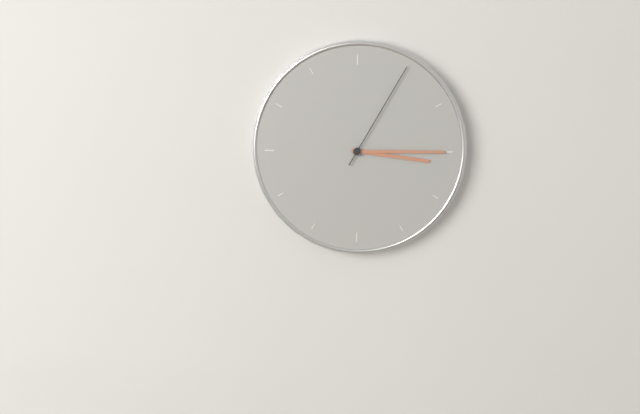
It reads 3h15m05s
